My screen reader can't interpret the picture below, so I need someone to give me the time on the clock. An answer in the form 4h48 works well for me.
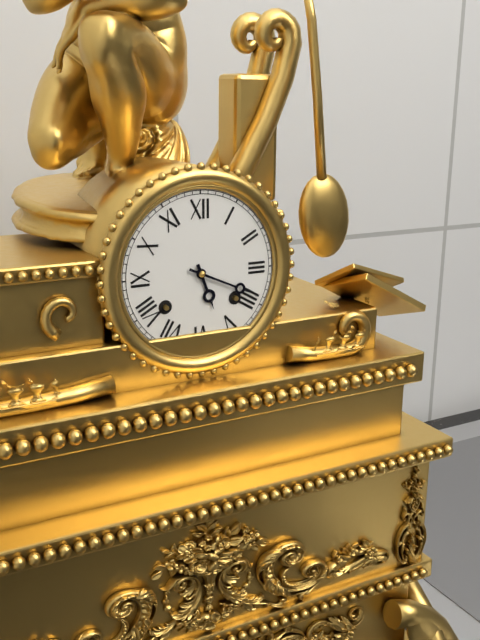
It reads 5h19
